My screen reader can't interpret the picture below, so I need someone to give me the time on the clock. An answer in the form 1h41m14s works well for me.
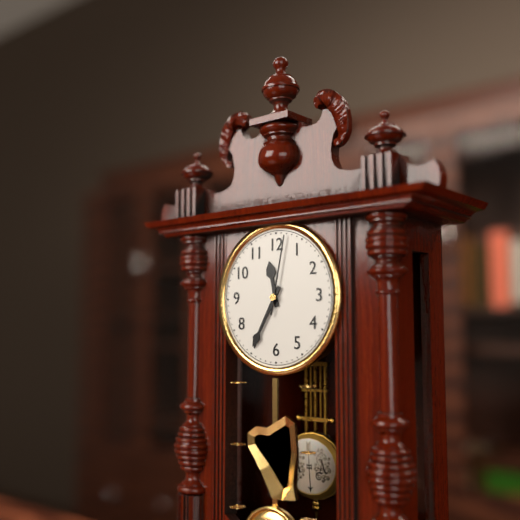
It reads 11h35m02s
